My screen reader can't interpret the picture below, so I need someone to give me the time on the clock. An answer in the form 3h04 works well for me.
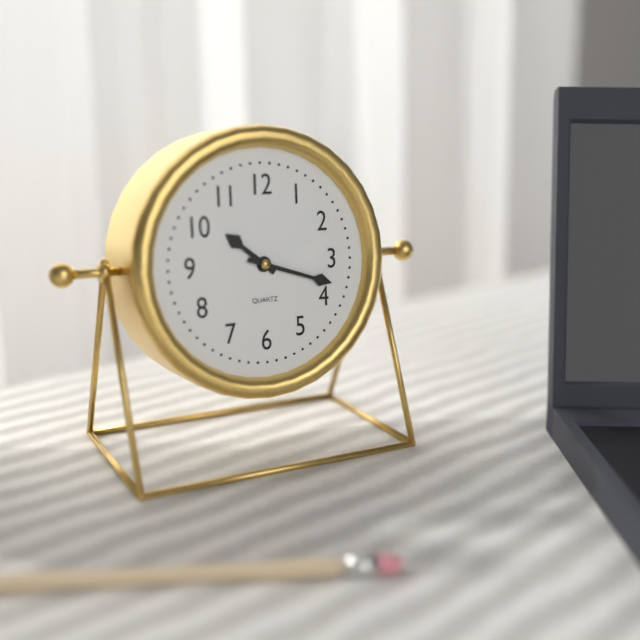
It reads 10h18
